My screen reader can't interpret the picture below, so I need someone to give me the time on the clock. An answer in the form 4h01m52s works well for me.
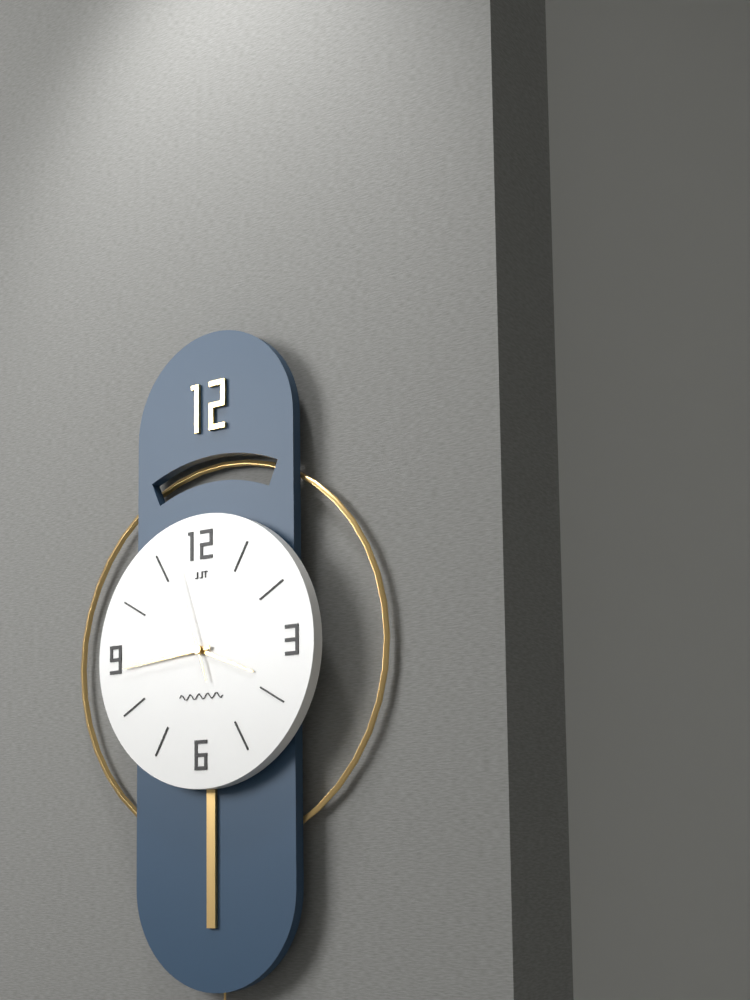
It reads 3h44m57s
